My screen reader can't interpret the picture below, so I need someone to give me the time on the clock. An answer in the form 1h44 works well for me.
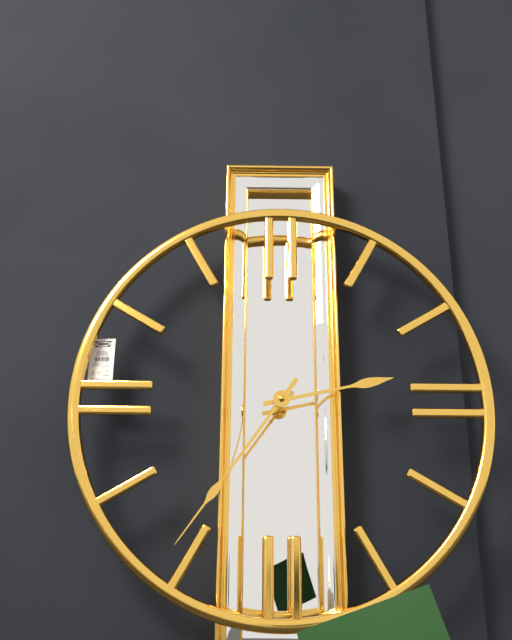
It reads 2h36
